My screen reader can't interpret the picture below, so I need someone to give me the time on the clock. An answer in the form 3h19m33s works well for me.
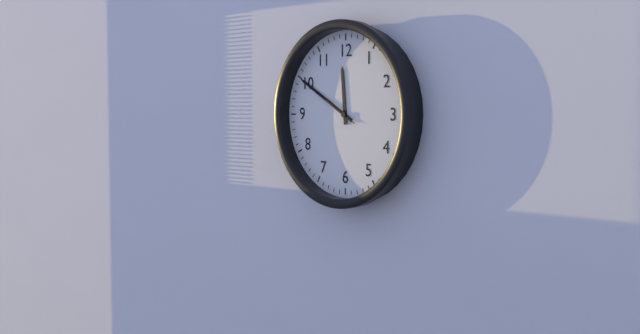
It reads 11h50m50s
